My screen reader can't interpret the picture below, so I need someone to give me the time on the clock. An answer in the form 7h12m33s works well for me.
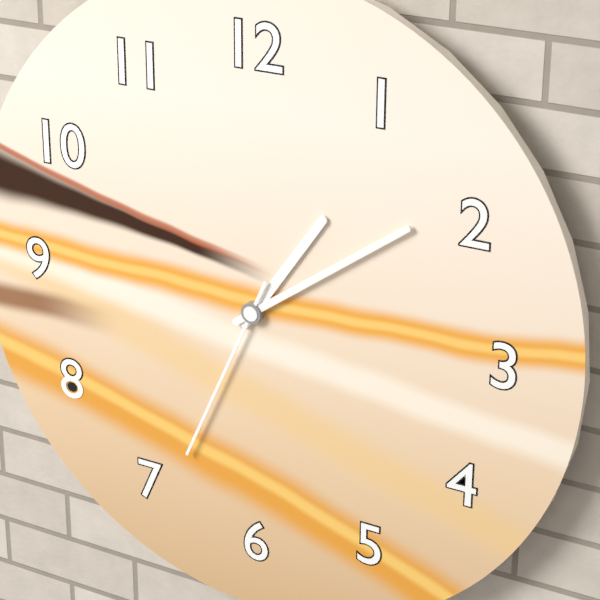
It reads 1h09m34s
